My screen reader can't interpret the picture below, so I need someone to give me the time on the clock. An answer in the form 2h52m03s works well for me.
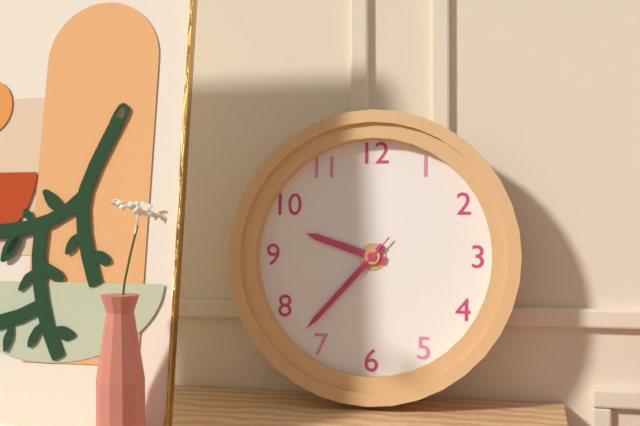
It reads 9h37m37s
